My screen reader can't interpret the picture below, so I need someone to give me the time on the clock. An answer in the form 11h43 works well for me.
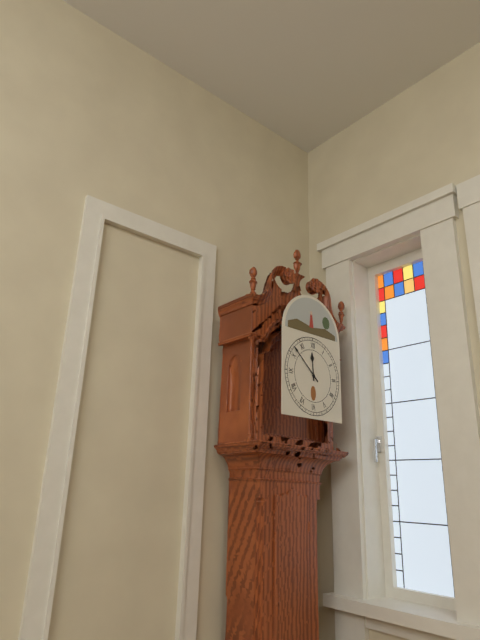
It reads 11h52
